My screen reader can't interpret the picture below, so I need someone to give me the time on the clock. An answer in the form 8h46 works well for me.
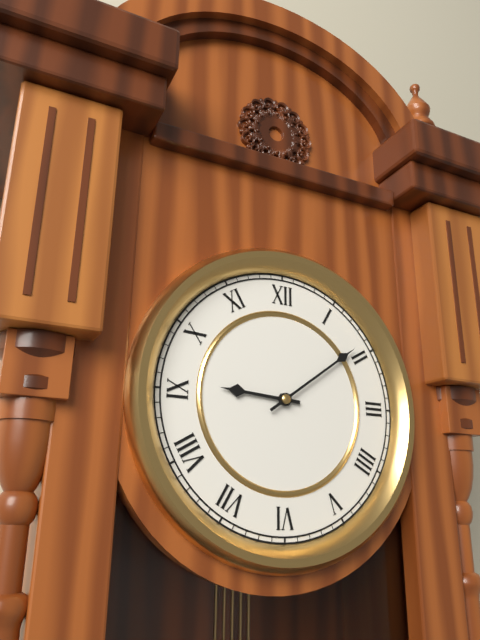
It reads 9h09
